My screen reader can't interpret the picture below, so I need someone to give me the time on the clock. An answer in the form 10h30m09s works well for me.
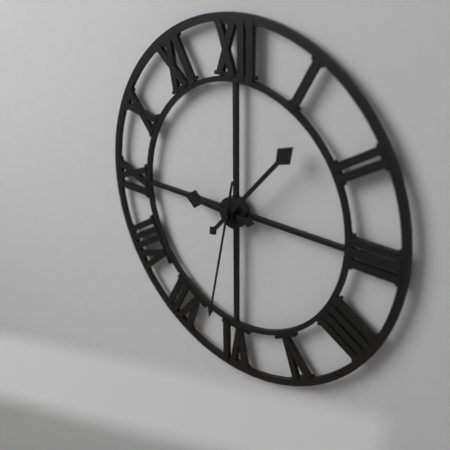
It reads 9h07m32s
